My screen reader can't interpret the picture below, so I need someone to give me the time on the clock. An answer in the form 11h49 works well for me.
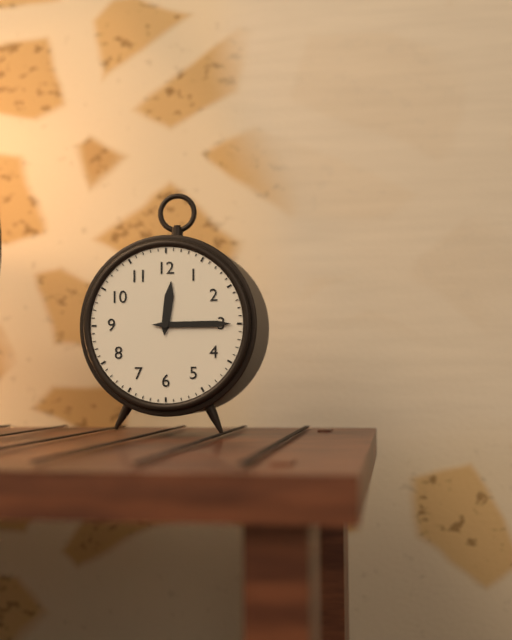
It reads 12h15
